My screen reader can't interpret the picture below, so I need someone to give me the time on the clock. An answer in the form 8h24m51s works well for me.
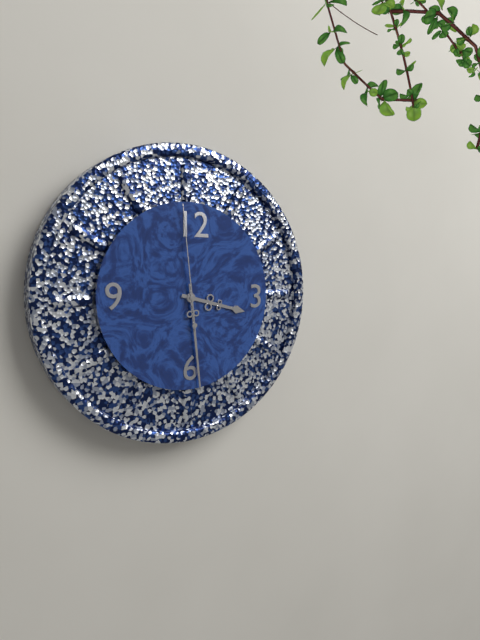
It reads 3h29m59s
